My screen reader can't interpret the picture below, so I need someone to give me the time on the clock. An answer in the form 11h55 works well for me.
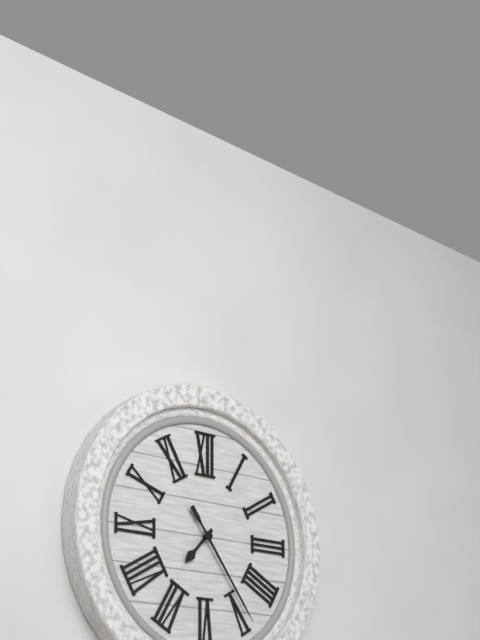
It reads 7h24
